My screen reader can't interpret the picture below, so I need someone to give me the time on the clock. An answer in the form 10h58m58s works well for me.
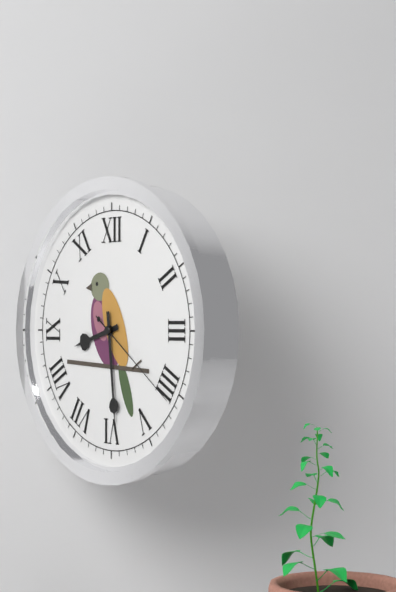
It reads 8h29m21s
